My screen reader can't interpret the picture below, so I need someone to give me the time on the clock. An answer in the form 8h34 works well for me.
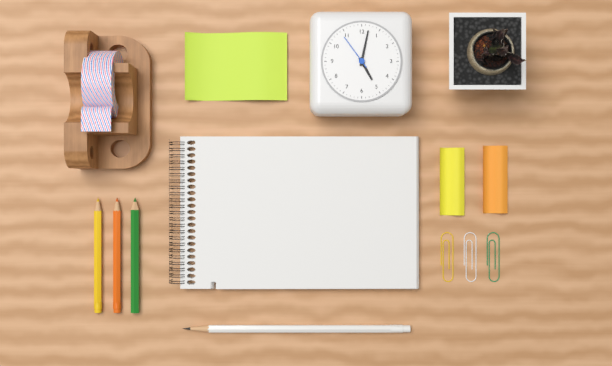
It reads 5h02
